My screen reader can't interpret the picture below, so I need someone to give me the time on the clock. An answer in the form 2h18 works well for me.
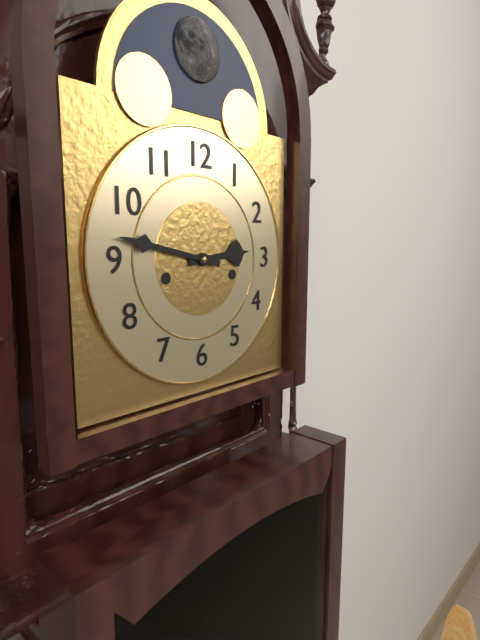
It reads 2h47
